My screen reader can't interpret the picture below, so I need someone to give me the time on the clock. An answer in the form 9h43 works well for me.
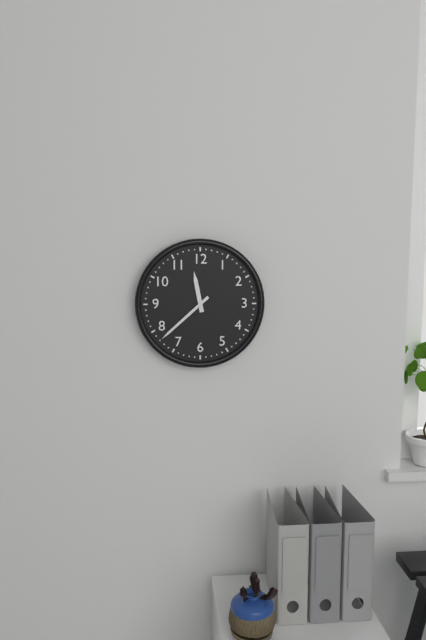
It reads 11h38
